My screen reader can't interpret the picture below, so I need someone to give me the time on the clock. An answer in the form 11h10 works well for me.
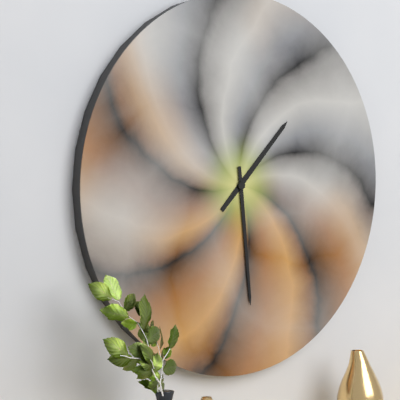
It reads 1h29
